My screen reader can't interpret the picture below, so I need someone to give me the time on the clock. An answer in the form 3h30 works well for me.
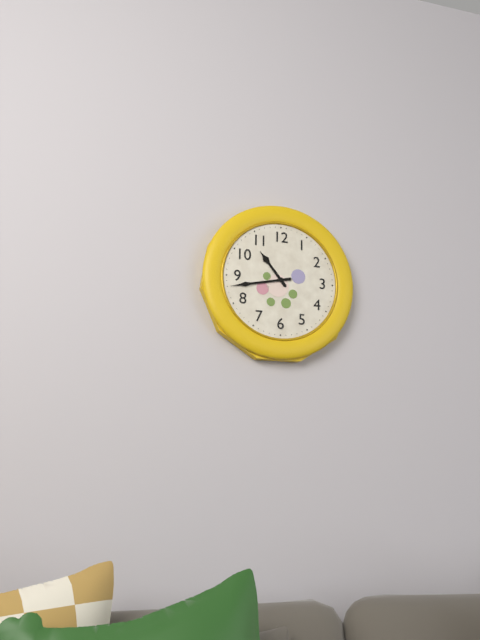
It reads 10h43
